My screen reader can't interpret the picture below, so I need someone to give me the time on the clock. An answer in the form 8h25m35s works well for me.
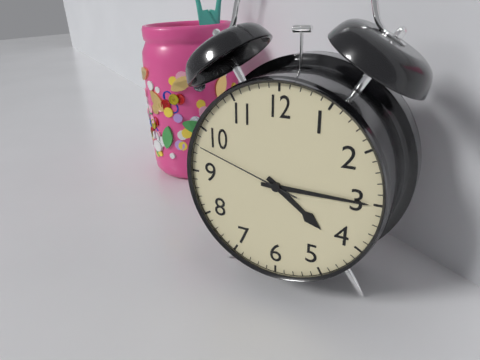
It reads 4h15m48s
